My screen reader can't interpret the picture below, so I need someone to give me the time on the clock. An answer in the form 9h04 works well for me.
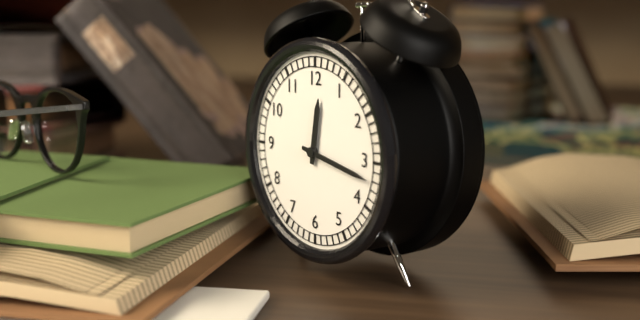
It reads 12h17
